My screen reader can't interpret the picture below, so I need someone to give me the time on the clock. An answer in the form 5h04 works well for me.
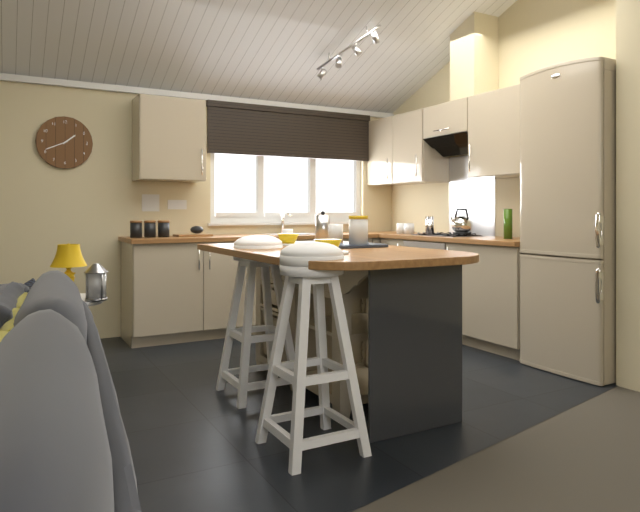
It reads 1h41
